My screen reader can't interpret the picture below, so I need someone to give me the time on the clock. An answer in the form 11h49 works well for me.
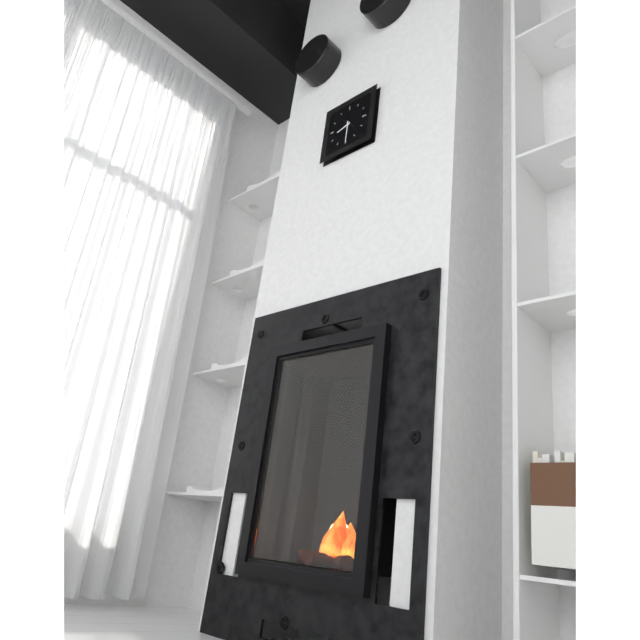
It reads 8h30
